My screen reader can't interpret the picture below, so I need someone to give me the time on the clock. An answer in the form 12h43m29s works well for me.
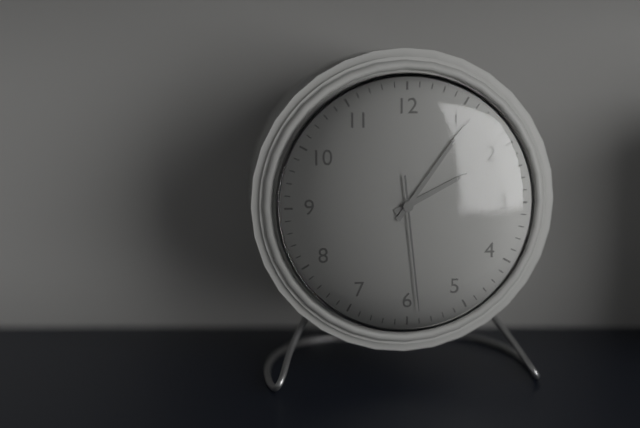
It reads 2h06m29s
